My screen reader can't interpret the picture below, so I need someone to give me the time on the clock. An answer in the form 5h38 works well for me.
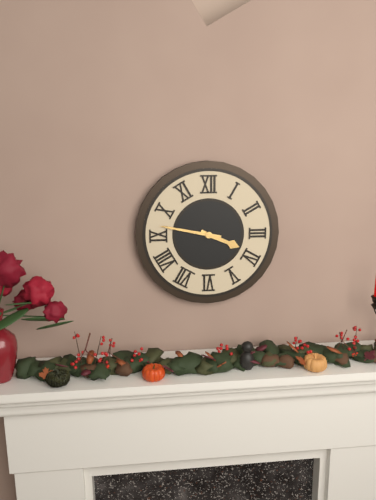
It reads 3h47
